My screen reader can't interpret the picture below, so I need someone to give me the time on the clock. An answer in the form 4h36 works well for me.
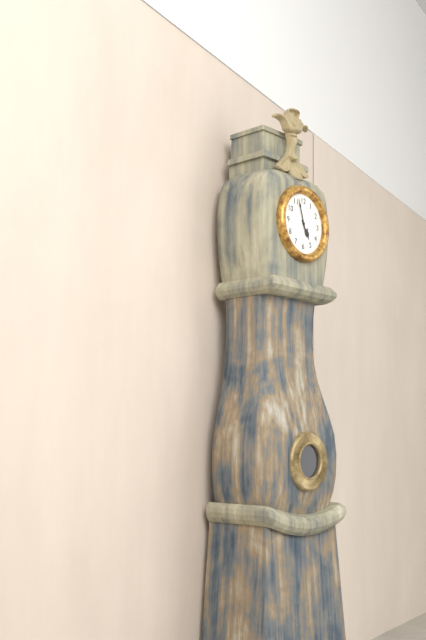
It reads 4h57
